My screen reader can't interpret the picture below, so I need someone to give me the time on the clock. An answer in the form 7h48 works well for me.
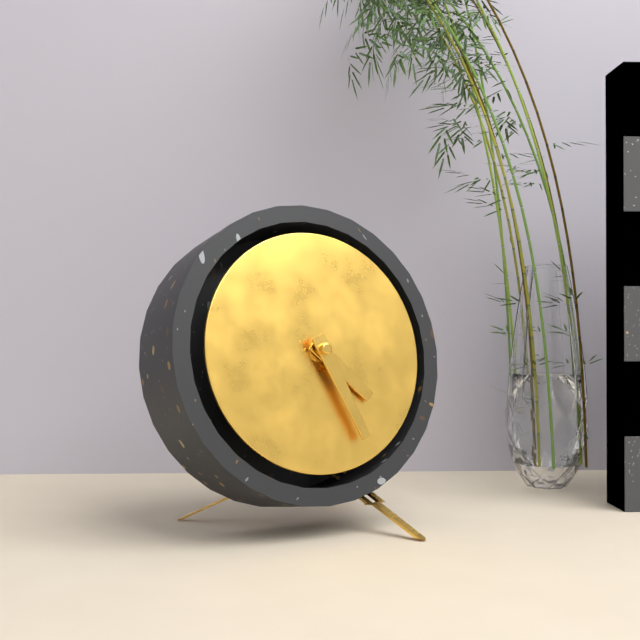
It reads 4h26
